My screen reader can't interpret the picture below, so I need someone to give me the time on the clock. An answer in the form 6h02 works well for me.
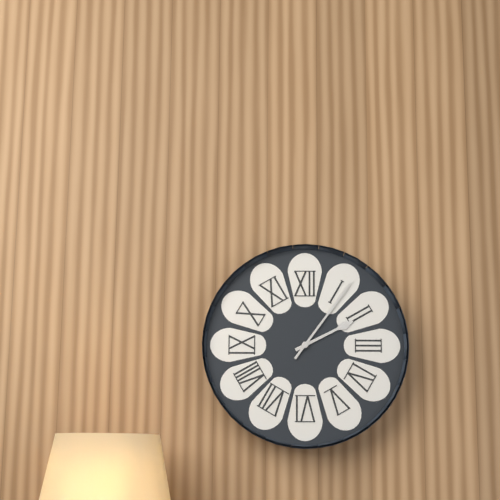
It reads 2h06
